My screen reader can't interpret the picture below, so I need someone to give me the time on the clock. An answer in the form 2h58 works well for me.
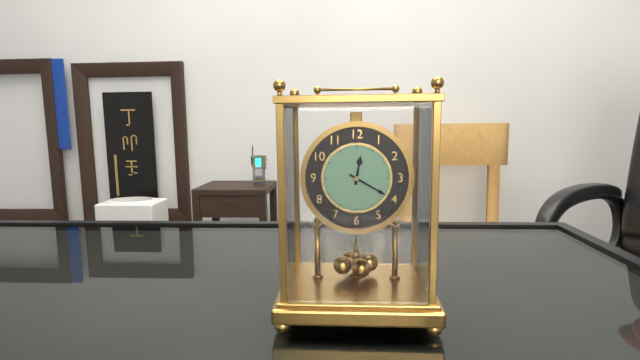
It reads 12h20
